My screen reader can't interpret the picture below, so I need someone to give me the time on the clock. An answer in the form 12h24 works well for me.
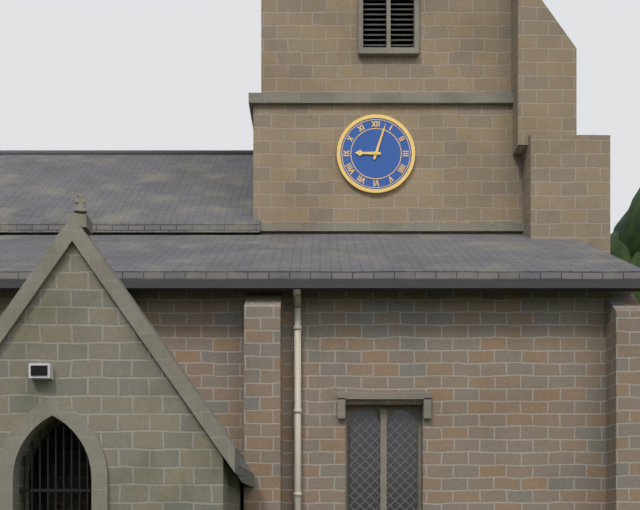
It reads 9h03
